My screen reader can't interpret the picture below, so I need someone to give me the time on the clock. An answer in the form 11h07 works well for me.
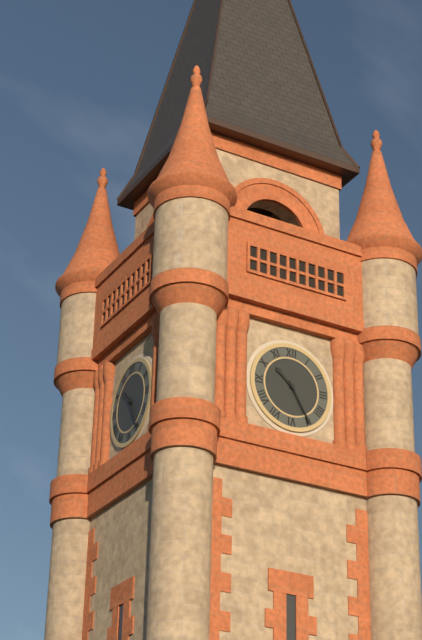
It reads 10h25
